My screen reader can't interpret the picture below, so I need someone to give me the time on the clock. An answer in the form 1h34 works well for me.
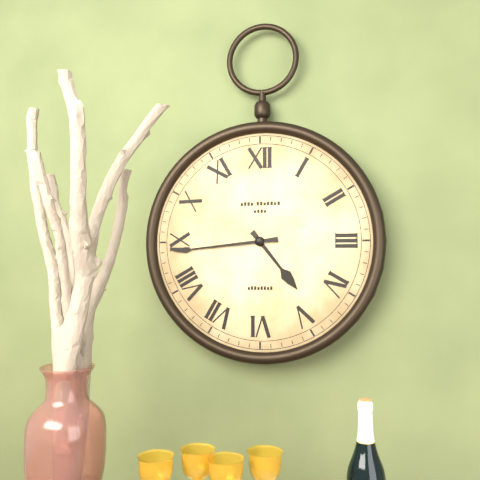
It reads 4h44
